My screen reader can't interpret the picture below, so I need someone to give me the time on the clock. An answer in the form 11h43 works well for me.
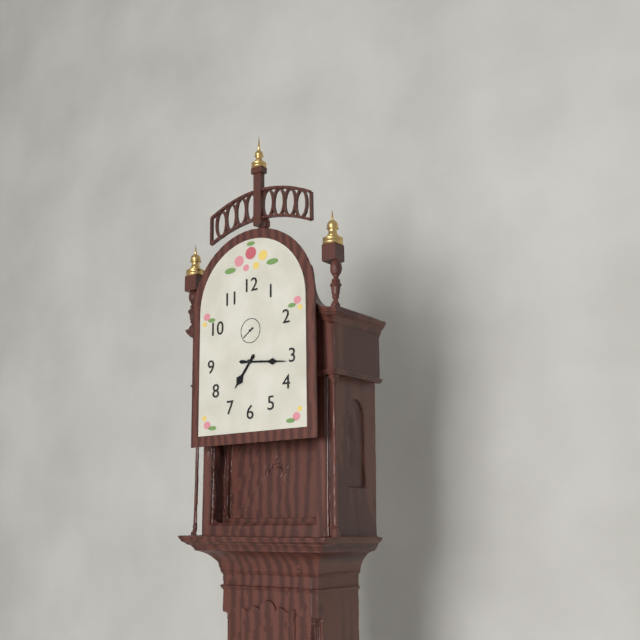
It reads 7h16
